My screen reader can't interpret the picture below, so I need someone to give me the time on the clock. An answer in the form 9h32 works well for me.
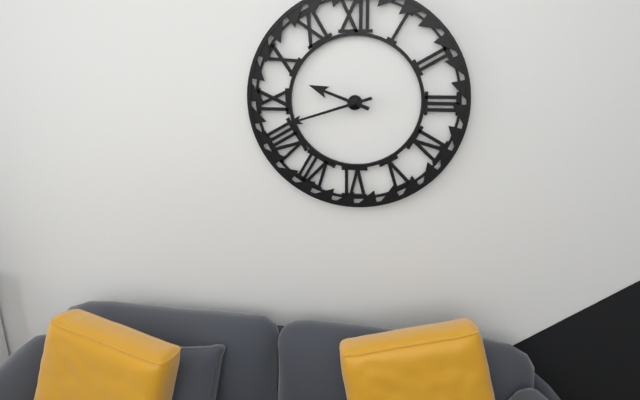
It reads 9h42
